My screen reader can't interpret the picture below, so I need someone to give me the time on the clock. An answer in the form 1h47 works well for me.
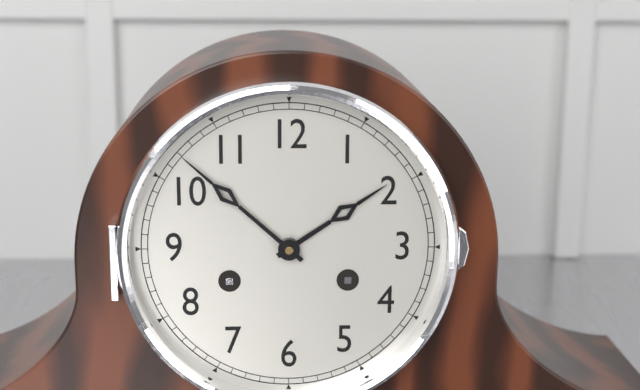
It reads 1h52
